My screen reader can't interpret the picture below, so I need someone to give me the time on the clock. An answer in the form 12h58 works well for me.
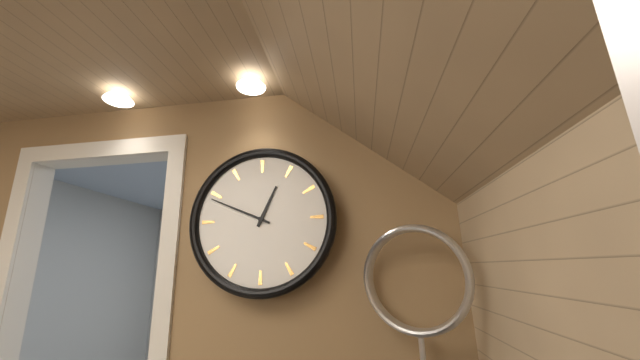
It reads 12h49
